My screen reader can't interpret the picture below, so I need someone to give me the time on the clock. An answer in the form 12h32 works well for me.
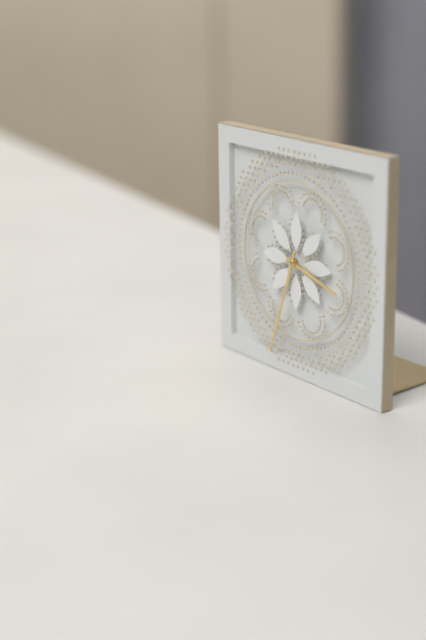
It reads 3h33
